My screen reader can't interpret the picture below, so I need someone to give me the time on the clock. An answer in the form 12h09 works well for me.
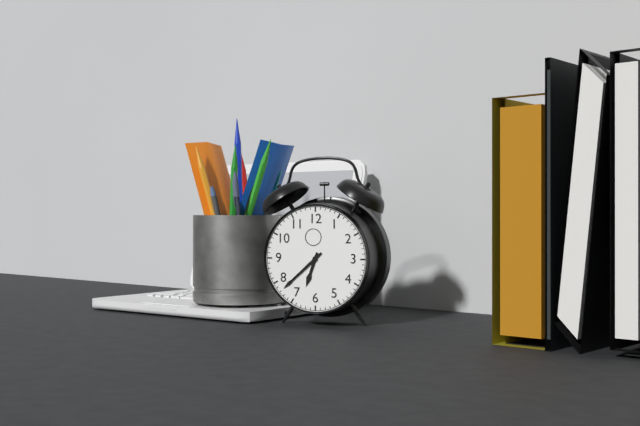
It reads 6h38
